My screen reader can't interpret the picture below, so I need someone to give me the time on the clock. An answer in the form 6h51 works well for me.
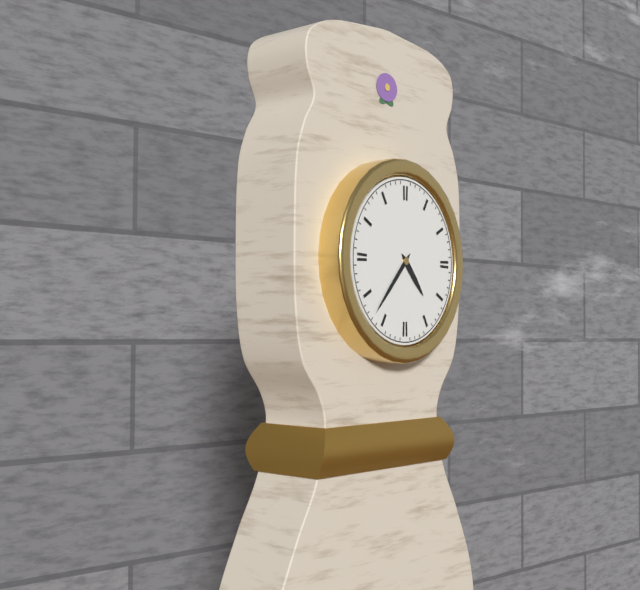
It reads 4h37
